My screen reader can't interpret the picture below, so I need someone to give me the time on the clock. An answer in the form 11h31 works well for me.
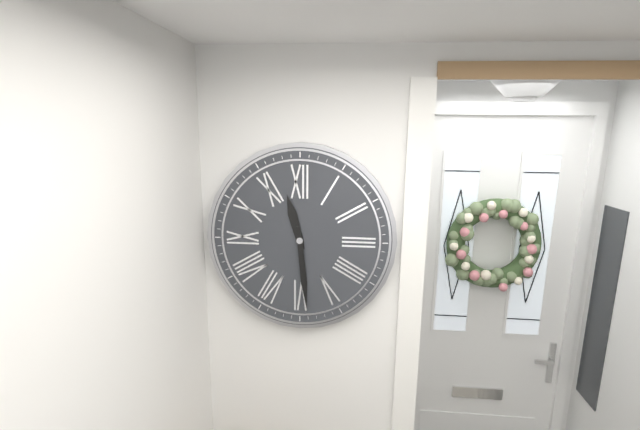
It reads 11h29
